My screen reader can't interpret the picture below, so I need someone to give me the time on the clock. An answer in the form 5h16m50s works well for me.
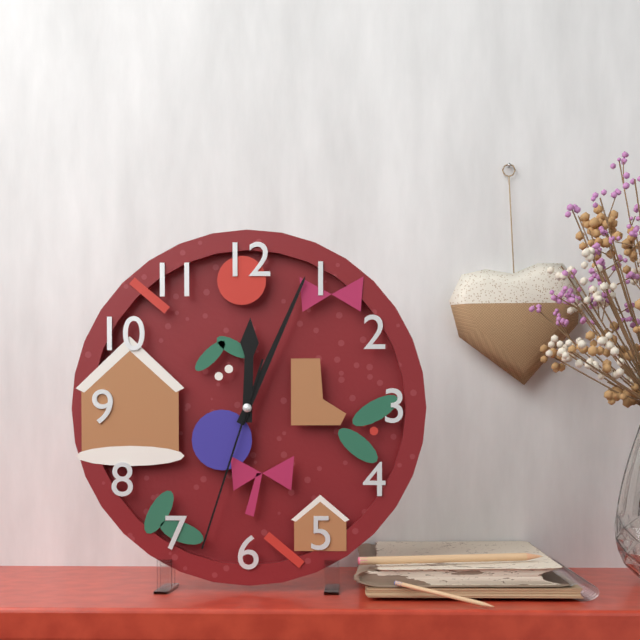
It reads 12h04m33s
